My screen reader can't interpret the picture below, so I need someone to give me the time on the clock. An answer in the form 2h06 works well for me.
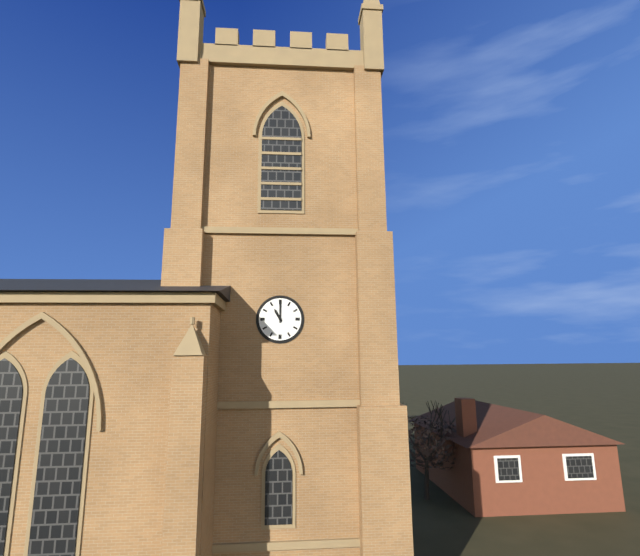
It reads 11h00
